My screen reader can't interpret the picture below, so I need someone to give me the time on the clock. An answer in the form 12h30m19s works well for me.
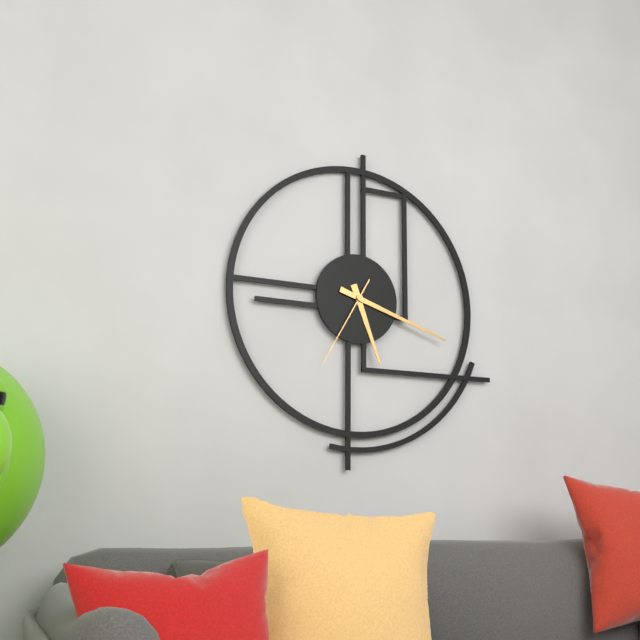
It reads 5h18m35s
